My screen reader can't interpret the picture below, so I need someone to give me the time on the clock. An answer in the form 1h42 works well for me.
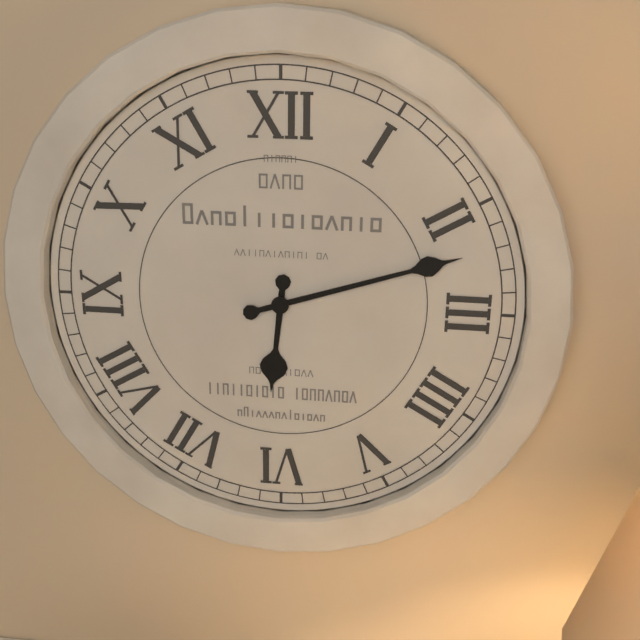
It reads 6h12
